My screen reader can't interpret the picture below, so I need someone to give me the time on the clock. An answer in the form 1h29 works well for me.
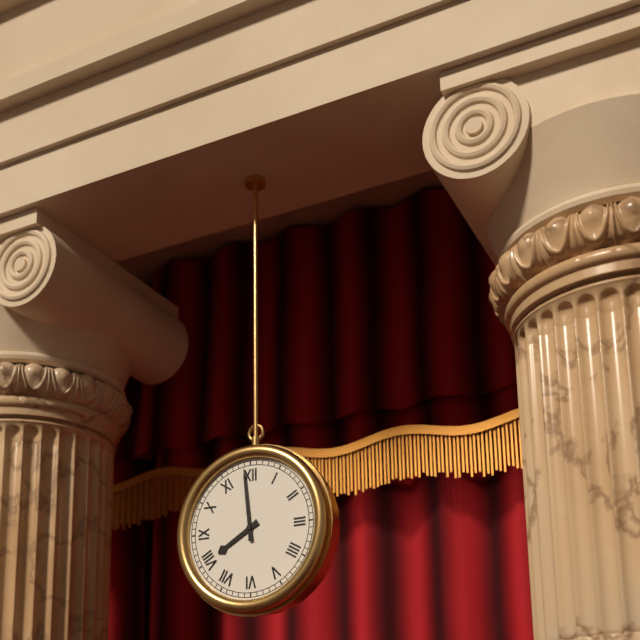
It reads 7h59
